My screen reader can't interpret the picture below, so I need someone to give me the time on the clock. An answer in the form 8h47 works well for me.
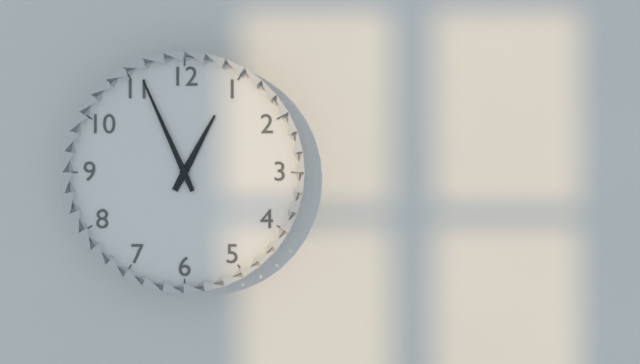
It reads 12h56
